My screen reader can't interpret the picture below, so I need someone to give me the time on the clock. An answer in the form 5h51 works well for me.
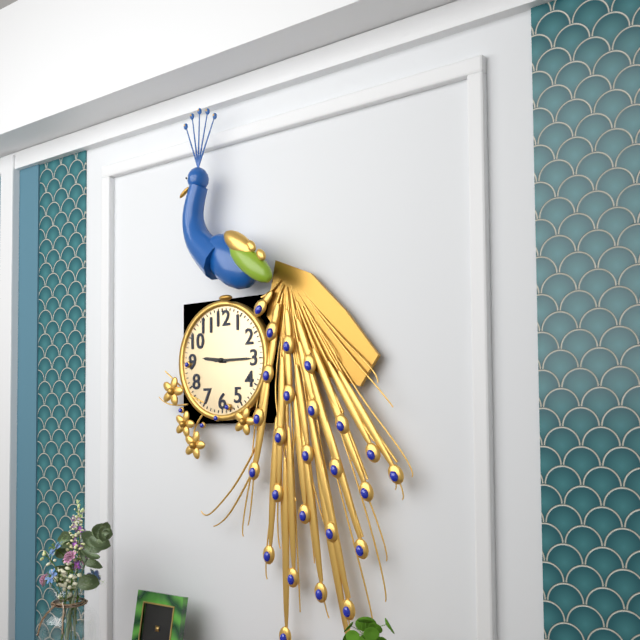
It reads 9h15
